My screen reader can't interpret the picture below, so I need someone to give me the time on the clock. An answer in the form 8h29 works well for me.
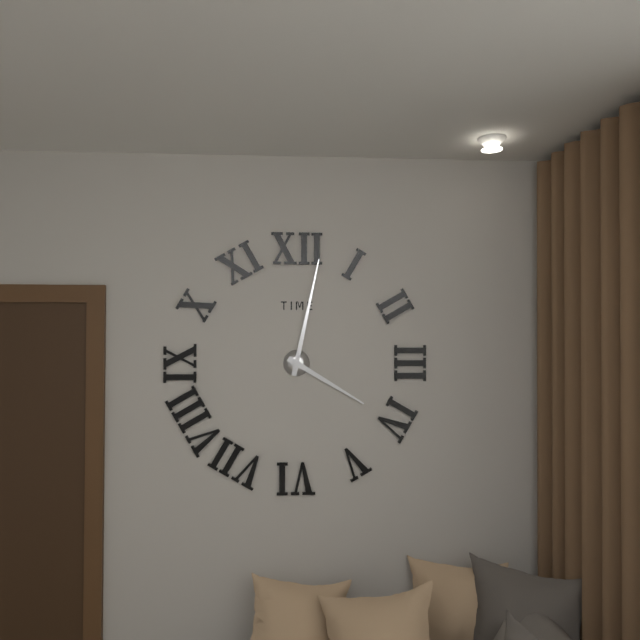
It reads 4h02
